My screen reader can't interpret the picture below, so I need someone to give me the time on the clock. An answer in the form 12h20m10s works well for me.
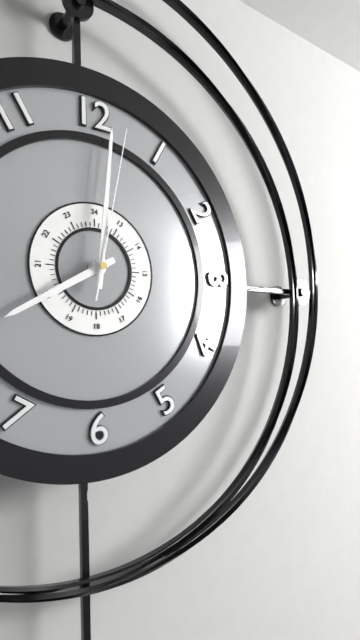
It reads 8h01m02s
